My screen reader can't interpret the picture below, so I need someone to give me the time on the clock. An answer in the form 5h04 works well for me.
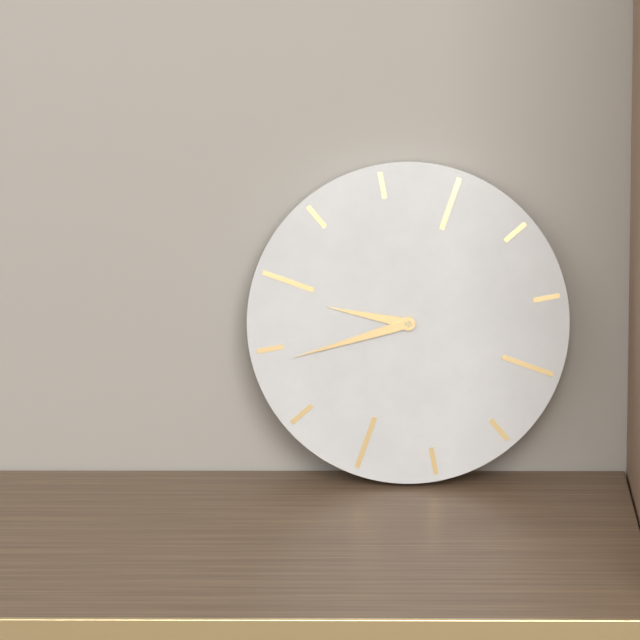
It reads 9h44
